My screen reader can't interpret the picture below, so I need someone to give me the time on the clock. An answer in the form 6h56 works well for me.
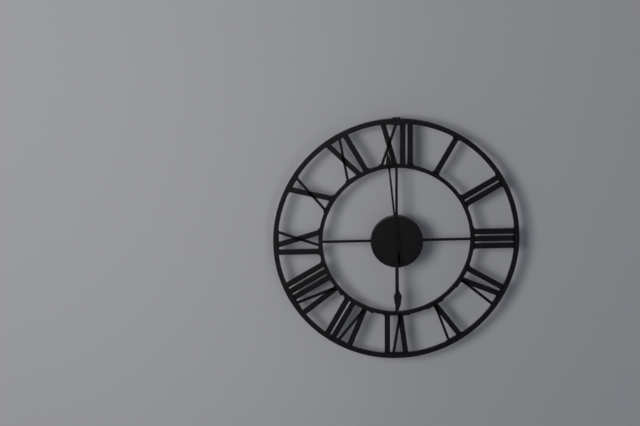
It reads 5h59
